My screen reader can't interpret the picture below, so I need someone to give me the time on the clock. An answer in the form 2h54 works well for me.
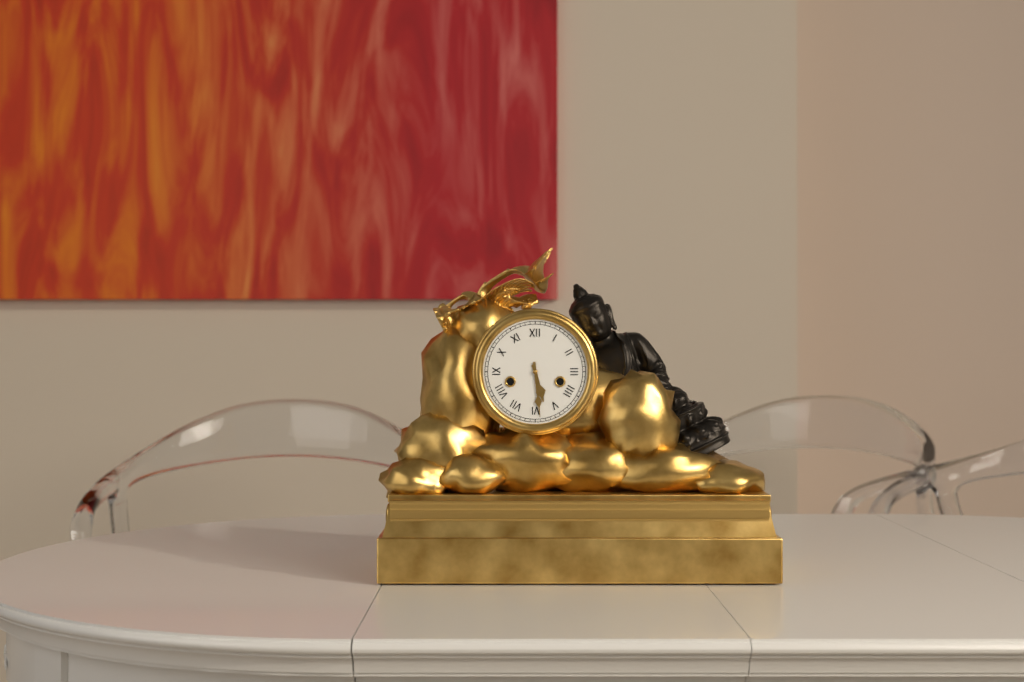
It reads 5h29
